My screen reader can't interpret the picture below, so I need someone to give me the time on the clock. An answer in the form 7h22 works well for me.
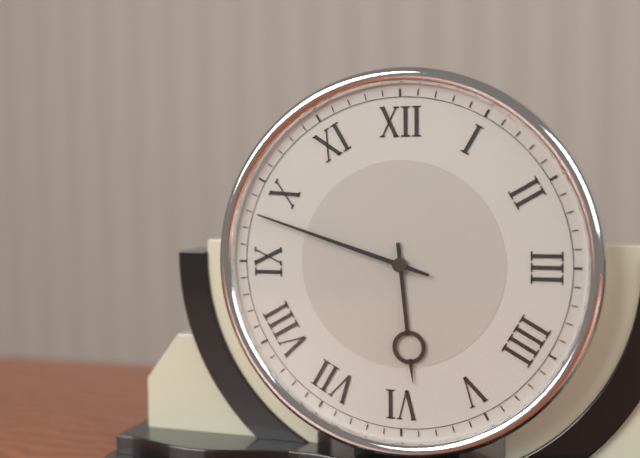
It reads 5h48
